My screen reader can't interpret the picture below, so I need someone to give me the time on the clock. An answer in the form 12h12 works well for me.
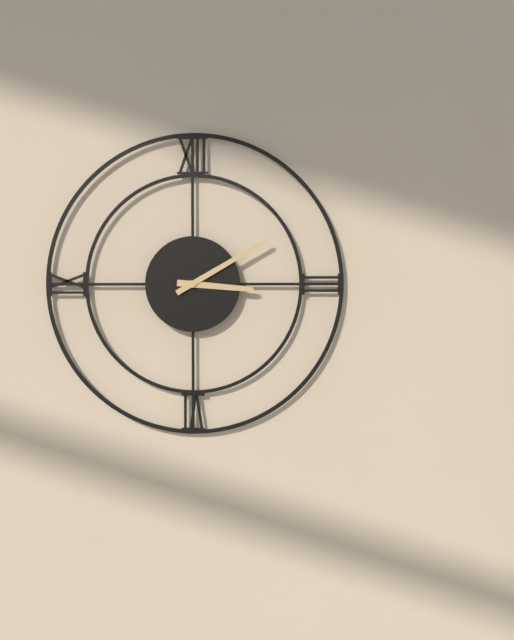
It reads 3h10
